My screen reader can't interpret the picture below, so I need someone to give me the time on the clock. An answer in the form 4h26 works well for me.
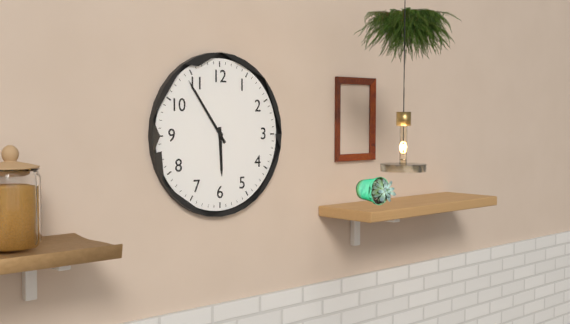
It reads 5h54
